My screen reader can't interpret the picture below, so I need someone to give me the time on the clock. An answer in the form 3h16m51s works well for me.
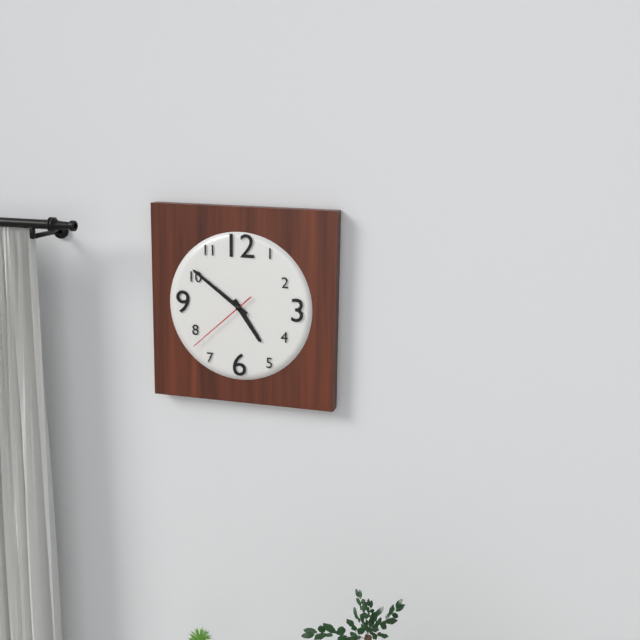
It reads 4h51m38s
